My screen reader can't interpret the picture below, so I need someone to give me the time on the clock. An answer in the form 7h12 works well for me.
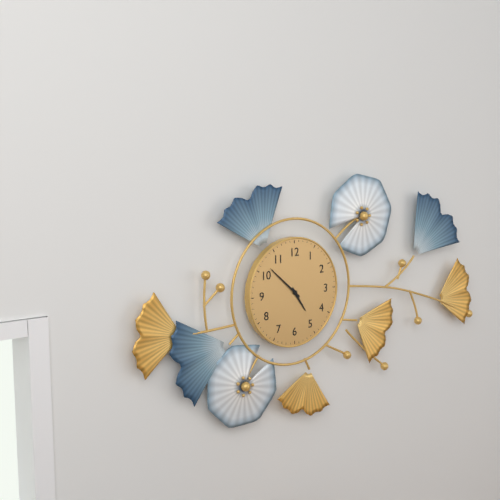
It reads 4h52
